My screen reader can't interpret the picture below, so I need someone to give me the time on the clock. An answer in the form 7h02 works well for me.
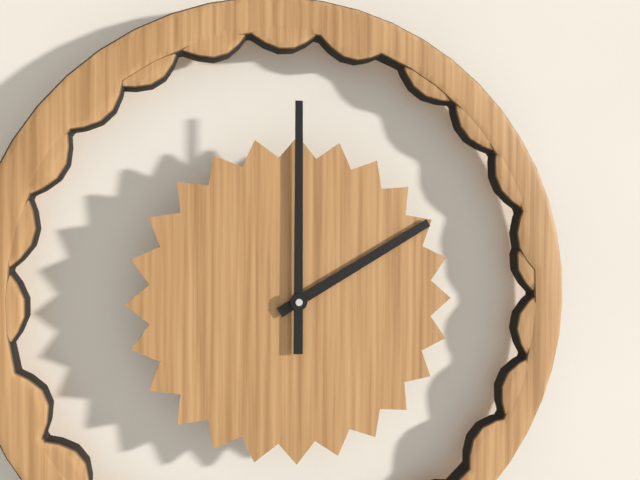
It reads 2h00
